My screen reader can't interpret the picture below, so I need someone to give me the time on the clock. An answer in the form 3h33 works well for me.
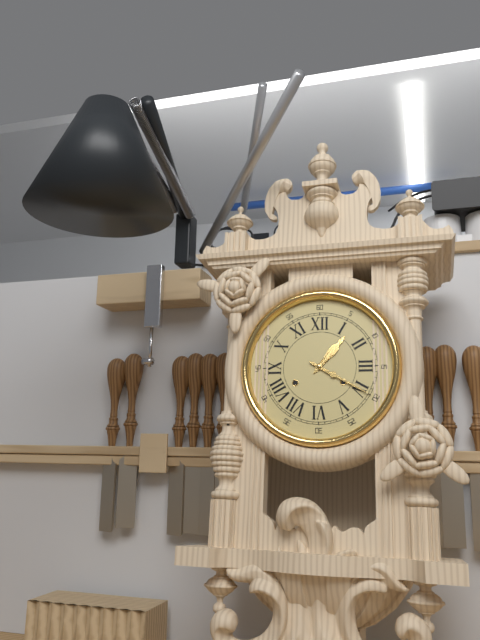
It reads 1h20
